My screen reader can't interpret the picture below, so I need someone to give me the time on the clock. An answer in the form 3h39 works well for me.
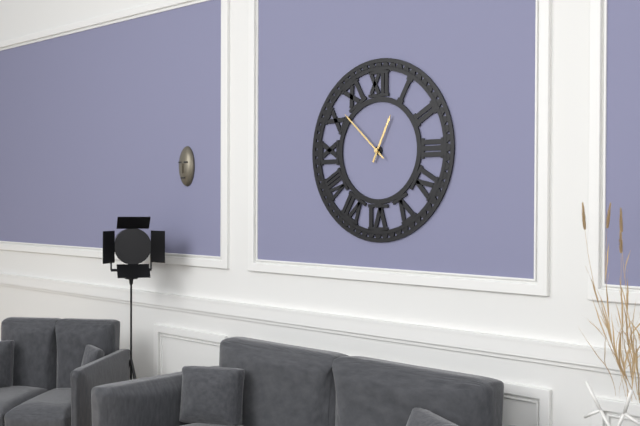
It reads 12h52
